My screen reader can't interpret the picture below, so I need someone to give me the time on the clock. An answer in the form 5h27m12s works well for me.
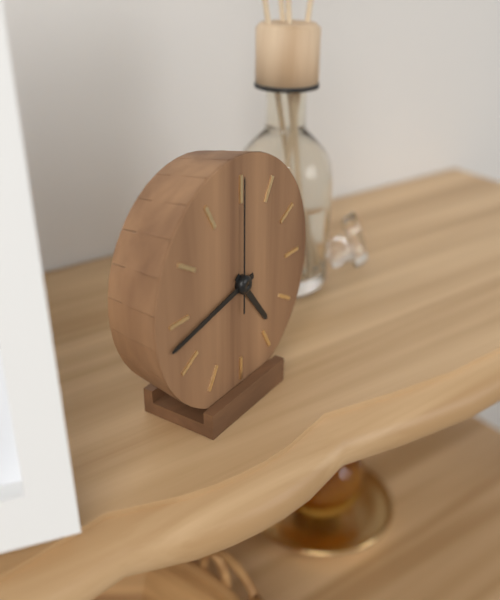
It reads 4h43m00s
